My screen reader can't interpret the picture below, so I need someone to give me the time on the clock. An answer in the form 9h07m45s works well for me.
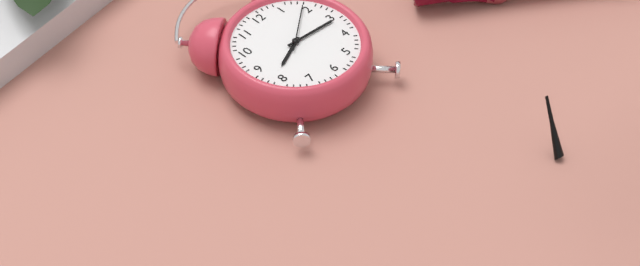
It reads 8h16m09s
